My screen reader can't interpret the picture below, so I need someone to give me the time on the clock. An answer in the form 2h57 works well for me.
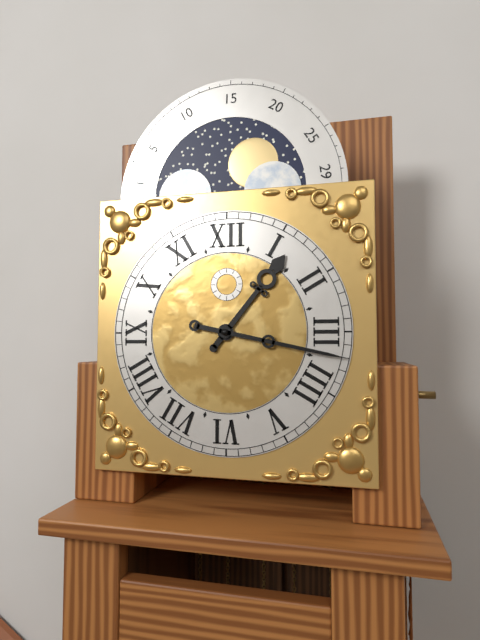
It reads 1h17
